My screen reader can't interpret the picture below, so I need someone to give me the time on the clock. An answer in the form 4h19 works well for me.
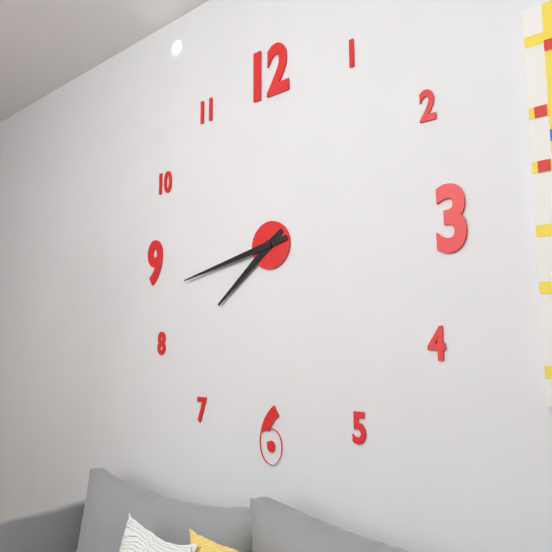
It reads 7h43
